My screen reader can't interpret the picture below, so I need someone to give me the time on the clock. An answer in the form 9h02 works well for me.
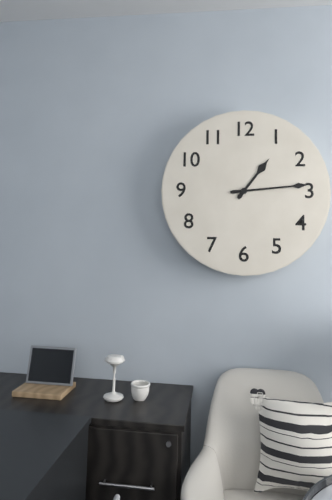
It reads 1h14
